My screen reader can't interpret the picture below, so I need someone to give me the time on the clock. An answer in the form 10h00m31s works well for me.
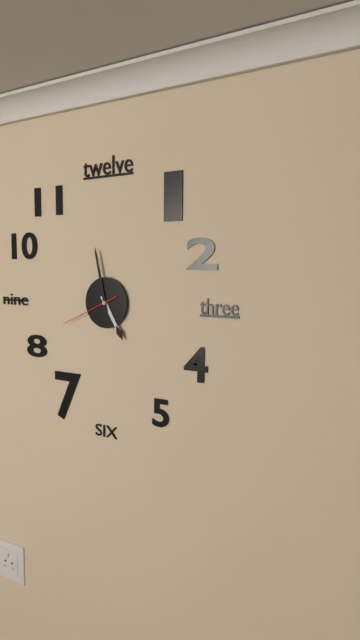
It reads 4h58m41s
